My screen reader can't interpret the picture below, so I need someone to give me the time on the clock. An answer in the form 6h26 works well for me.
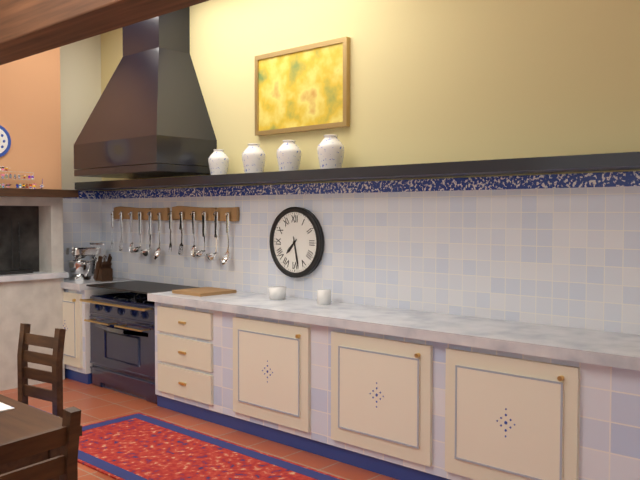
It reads 7h28
